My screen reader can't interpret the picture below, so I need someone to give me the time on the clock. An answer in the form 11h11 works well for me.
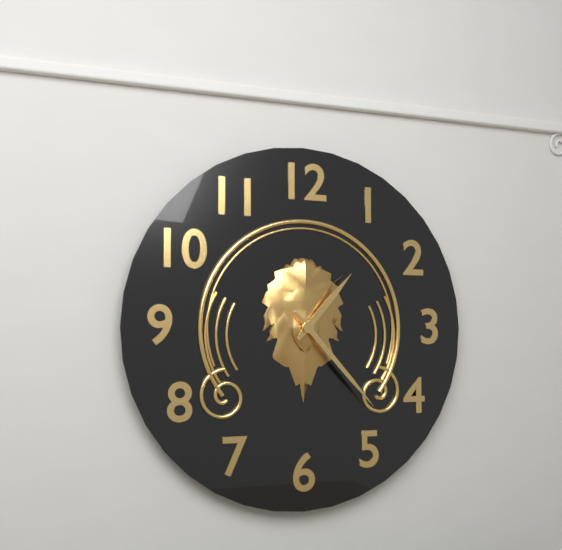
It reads 1h23
